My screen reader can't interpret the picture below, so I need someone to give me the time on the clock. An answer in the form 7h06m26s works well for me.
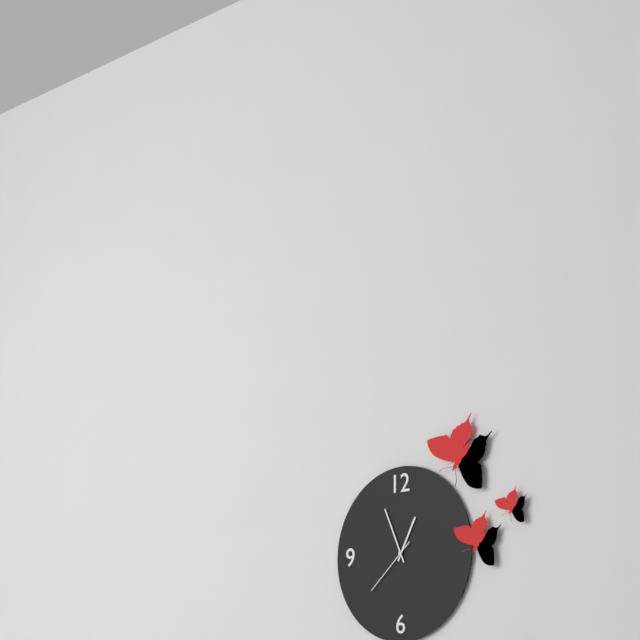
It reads 12h56m38s
